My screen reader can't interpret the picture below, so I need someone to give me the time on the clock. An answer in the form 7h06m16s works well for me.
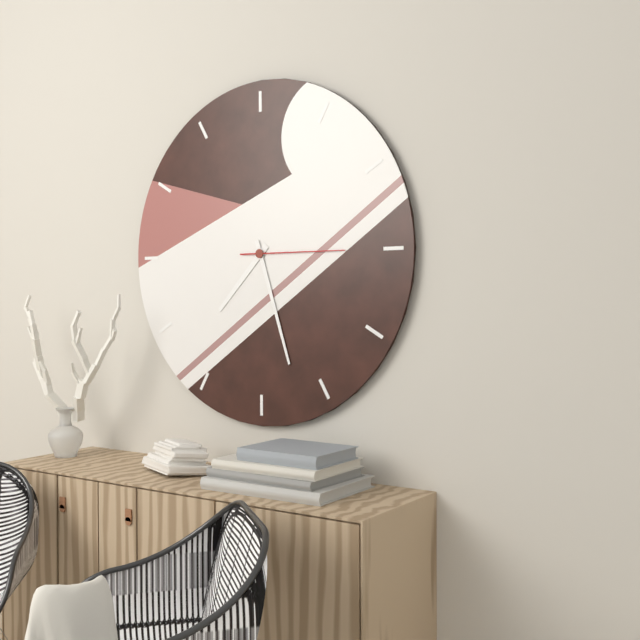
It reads 7h27m15s
